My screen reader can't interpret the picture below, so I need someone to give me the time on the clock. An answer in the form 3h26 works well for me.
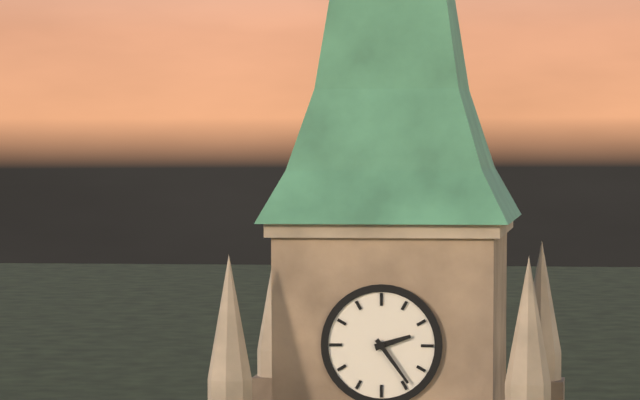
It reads 2h24
